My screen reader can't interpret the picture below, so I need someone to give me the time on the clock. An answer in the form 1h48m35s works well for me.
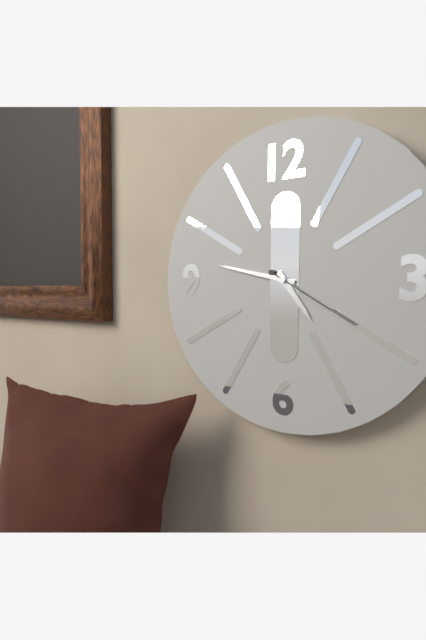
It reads 4h47m20s
